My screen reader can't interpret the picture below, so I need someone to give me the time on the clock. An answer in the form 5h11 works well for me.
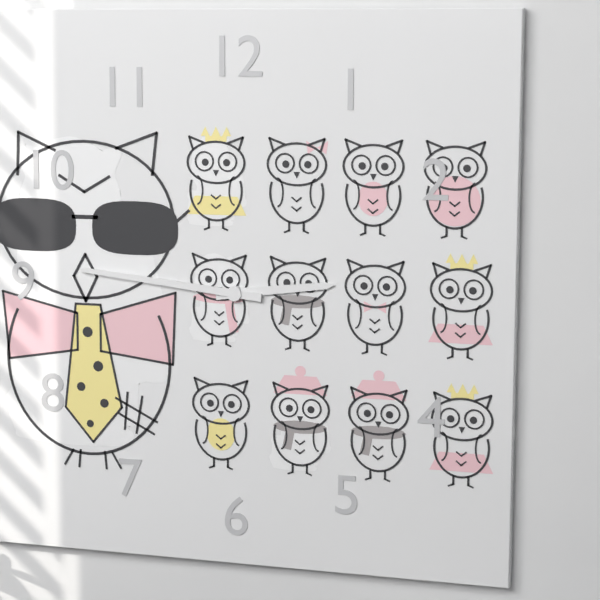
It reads 2h46
